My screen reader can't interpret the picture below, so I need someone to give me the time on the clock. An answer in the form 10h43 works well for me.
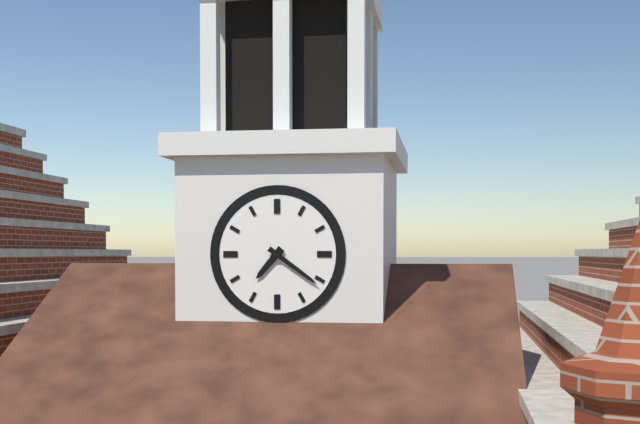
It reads 7h21
